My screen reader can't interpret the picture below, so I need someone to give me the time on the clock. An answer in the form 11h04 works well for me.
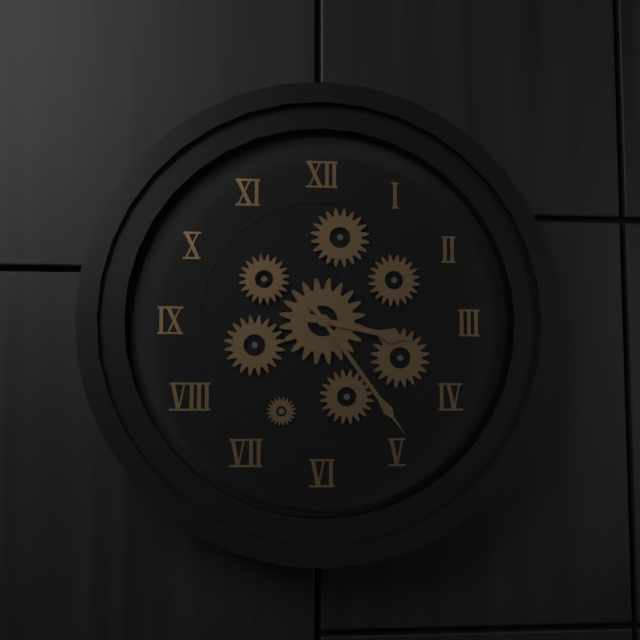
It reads 3h24
